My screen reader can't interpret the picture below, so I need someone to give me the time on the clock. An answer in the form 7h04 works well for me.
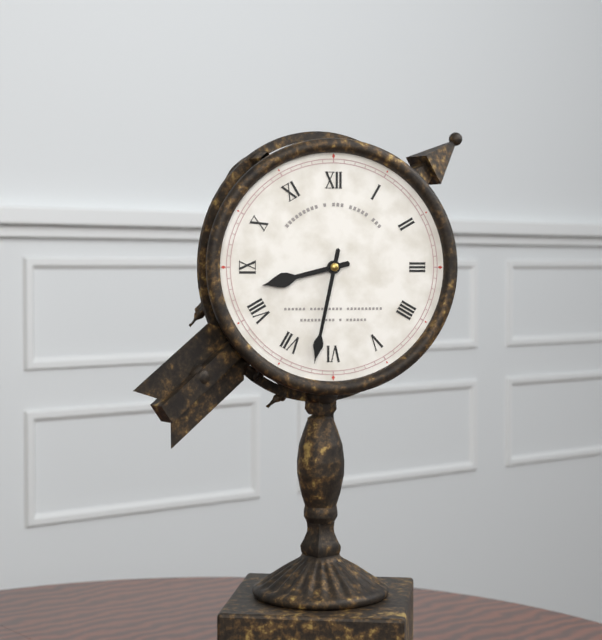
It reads 8h32
